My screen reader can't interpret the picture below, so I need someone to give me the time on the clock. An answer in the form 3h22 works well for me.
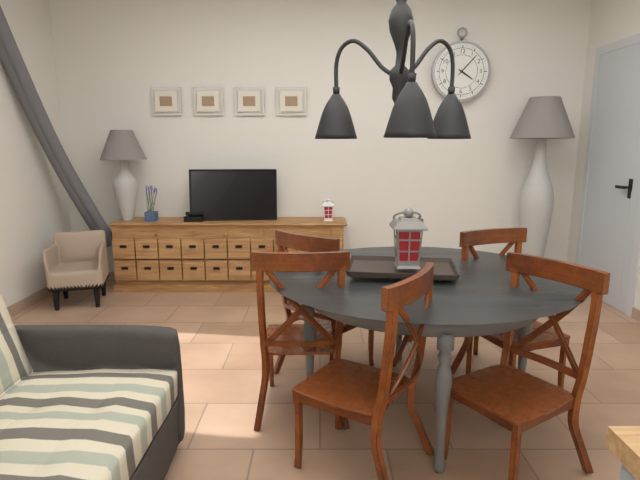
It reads 4h07
